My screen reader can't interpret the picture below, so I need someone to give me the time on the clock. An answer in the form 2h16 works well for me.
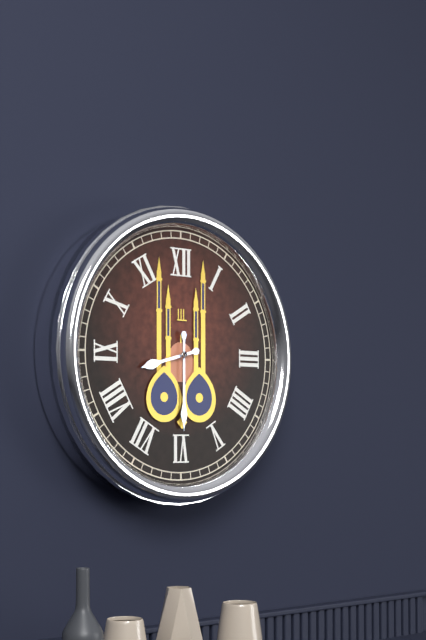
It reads 8h30
